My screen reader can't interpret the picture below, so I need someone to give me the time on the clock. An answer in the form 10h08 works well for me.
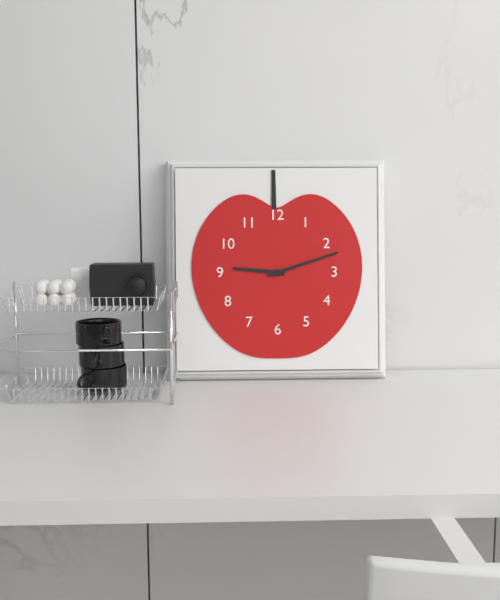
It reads 9h12
